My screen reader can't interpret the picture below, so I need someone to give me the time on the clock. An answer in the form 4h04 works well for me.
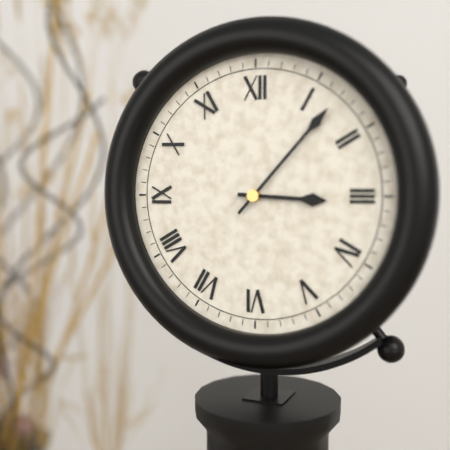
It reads 3h07
